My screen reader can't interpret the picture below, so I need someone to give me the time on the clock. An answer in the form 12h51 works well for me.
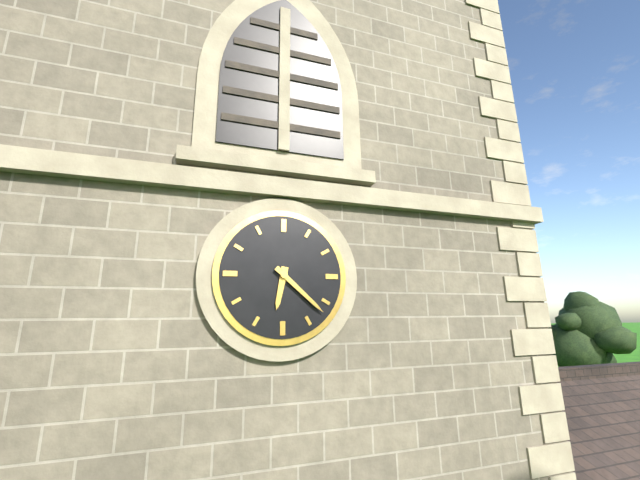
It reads 6h22
